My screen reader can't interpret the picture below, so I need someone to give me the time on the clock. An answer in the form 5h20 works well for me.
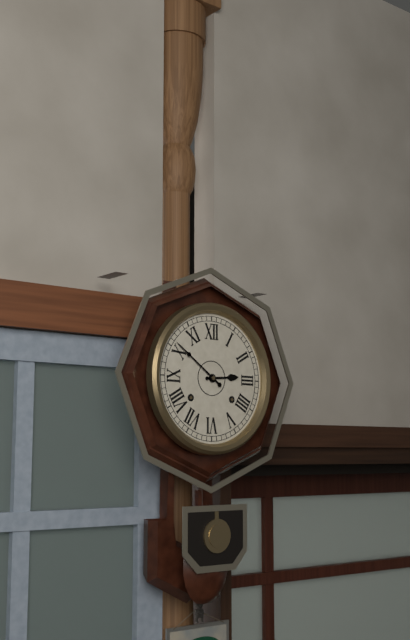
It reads 2h51
